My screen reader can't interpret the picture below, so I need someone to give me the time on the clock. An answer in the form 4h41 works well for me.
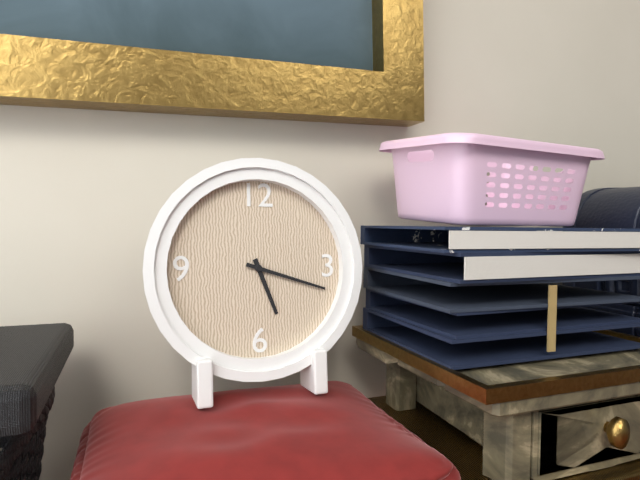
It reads 5h18
